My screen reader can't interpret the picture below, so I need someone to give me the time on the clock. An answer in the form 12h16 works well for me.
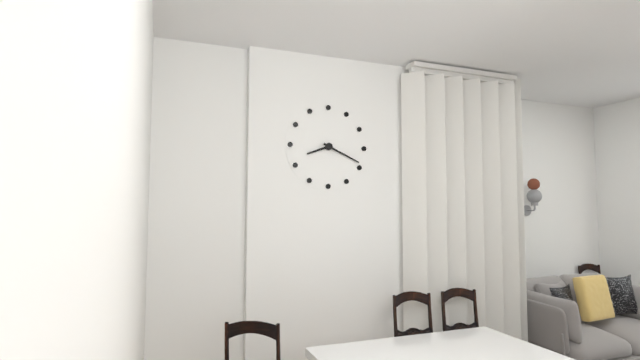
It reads 8h19
